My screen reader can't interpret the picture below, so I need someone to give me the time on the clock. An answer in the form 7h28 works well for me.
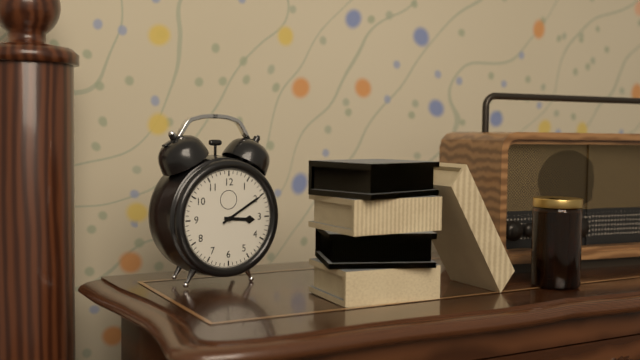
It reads 3h10
